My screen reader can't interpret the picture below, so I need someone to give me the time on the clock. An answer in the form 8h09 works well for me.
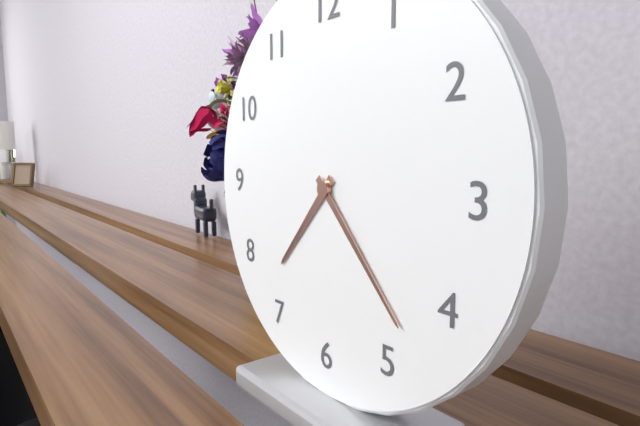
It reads 7h23
